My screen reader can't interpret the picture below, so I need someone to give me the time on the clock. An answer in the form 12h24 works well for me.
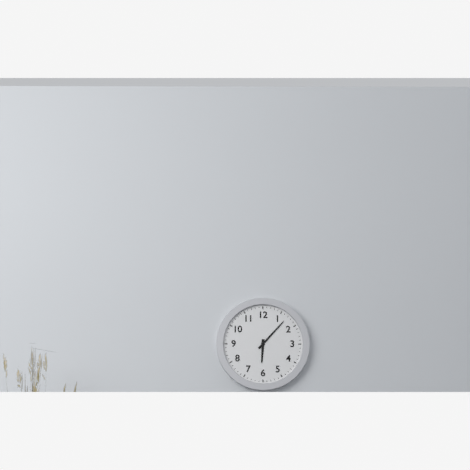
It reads 6h07
